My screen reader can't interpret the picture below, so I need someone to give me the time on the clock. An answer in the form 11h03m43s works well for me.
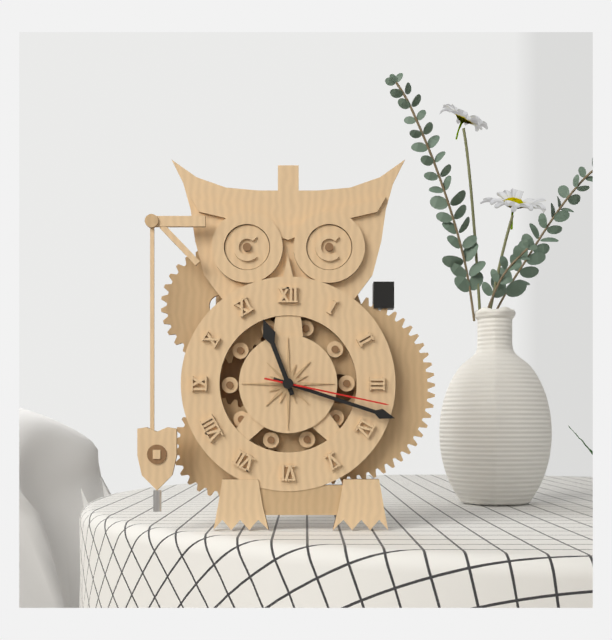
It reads 11h18m17s
